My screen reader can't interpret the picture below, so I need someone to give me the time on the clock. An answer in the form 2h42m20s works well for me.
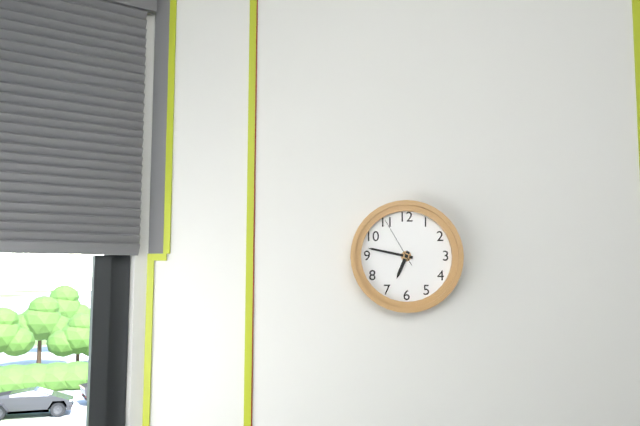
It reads 6h47m55s
